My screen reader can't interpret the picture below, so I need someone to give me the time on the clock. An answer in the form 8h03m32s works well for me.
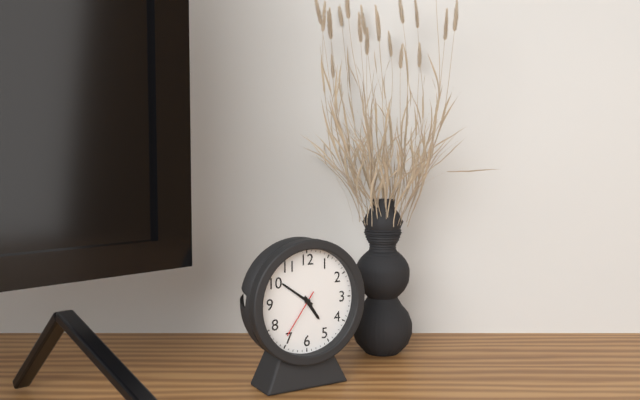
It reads 4h51m36s
